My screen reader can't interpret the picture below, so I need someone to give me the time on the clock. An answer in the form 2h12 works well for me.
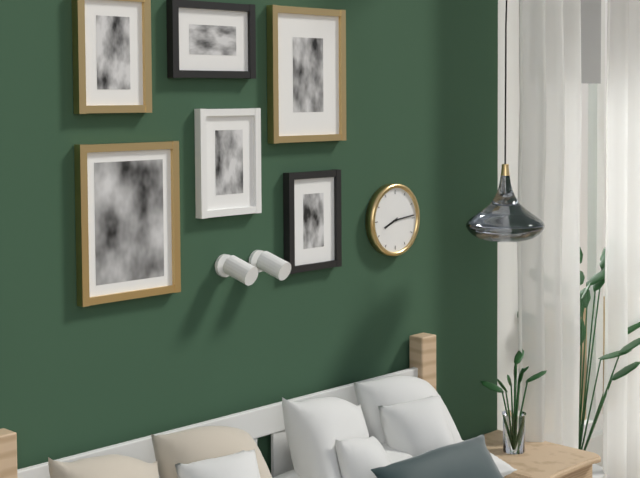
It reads 8h14
